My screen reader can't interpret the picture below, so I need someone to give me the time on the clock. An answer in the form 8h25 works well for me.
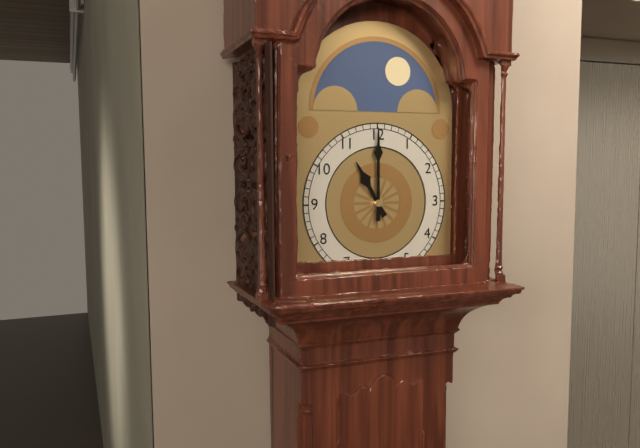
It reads 11h00
